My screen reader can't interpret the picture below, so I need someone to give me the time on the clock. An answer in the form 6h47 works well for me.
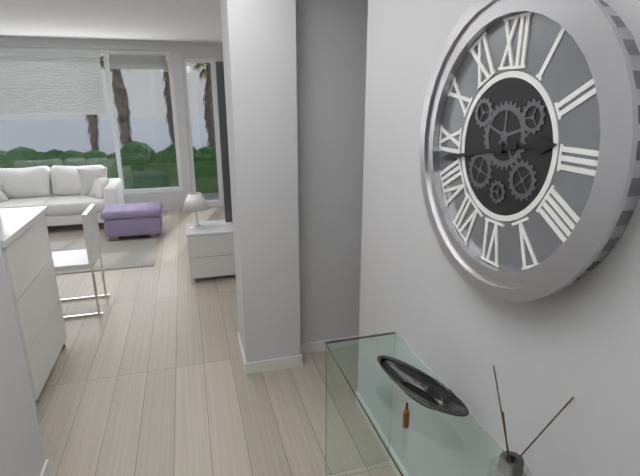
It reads 2h43
